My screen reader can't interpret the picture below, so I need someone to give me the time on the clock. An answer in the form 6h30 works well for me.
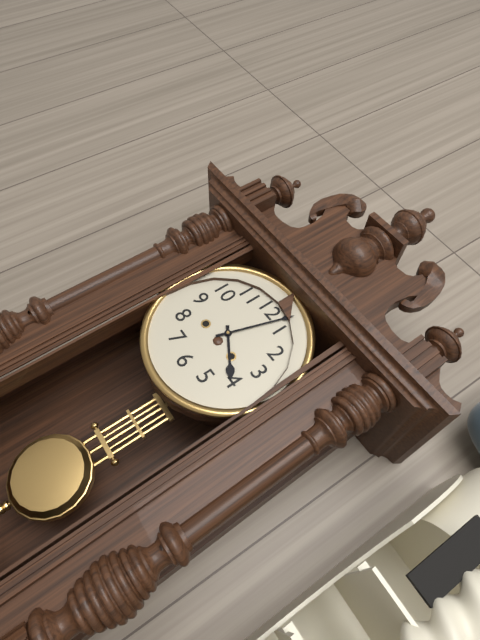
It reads 4h03
